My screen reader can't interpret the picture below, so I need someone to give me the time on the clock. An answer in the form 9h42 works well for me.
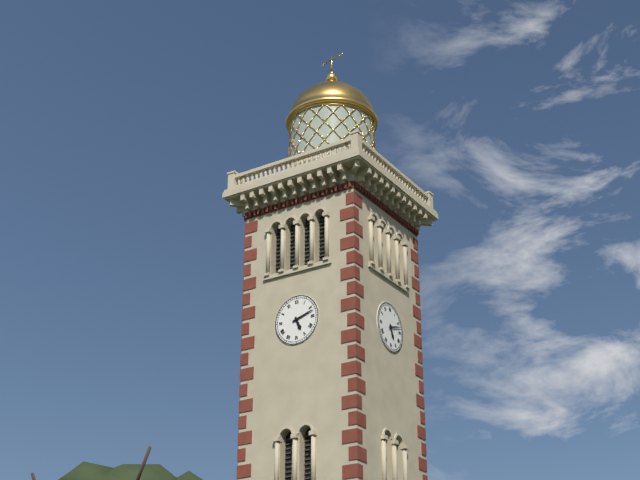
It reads 5h12
